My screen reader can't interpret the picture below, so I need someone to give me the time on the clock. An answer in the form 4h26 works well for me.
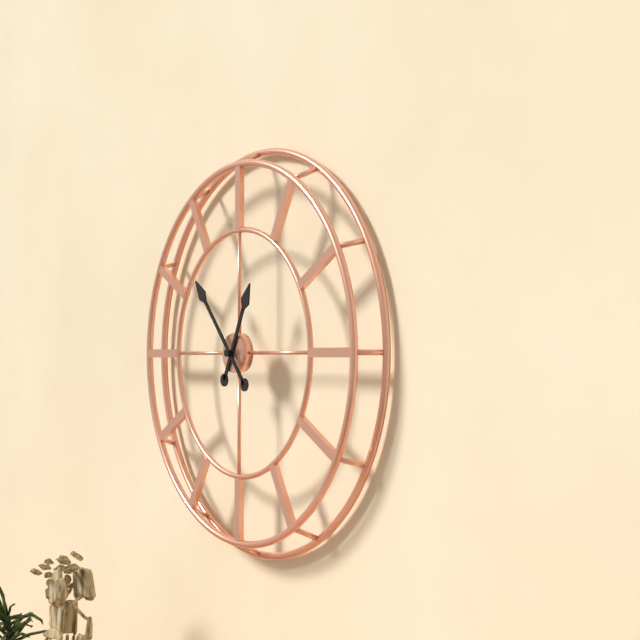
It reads 12h53
